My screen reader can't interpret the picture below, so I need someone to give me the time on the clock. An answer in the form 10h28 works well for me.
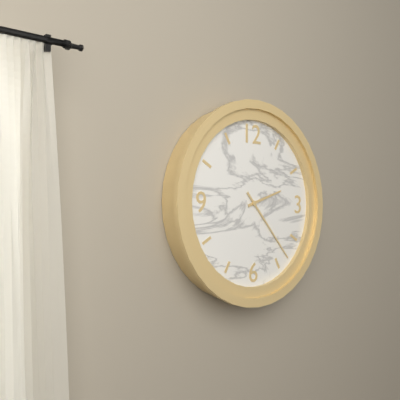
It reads 2h23
